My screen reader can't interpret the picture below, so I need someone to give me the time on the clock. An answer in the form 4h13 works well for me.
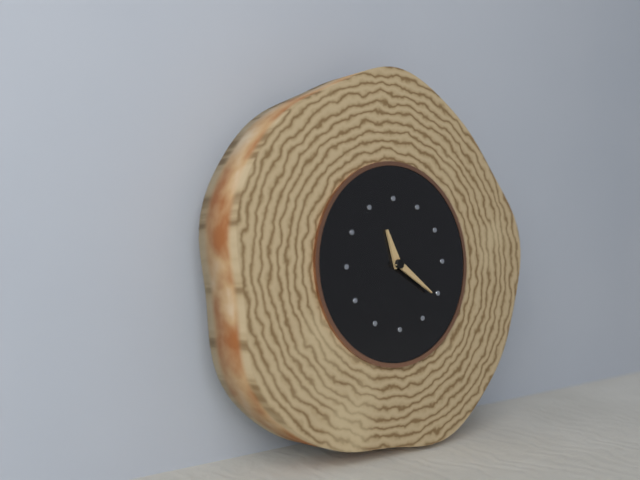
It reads 11h21
